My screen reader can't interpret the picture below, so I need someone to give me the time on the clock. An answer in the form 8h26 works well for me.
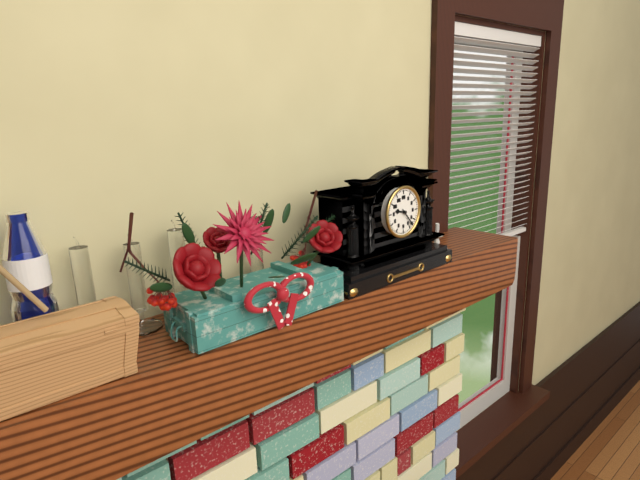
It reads 9h23
